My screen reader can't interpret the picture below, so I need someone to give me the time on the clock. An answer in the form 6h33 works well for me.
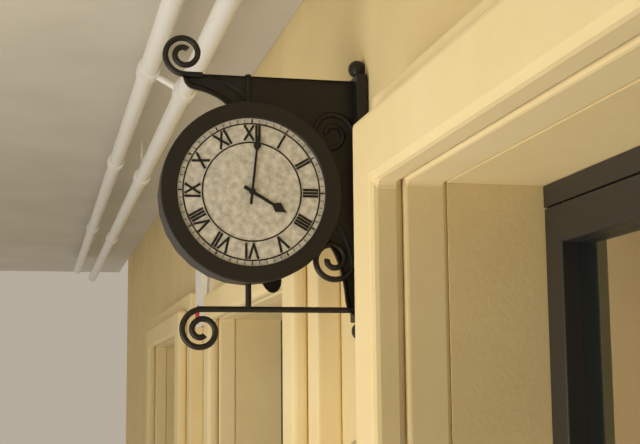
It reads 4h01
